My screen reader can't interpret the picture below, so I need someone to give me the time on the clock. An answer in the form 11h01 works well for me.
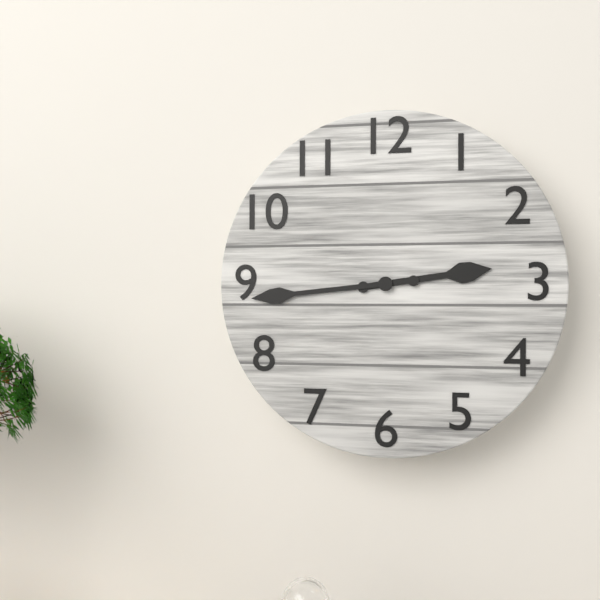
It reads 2h44
